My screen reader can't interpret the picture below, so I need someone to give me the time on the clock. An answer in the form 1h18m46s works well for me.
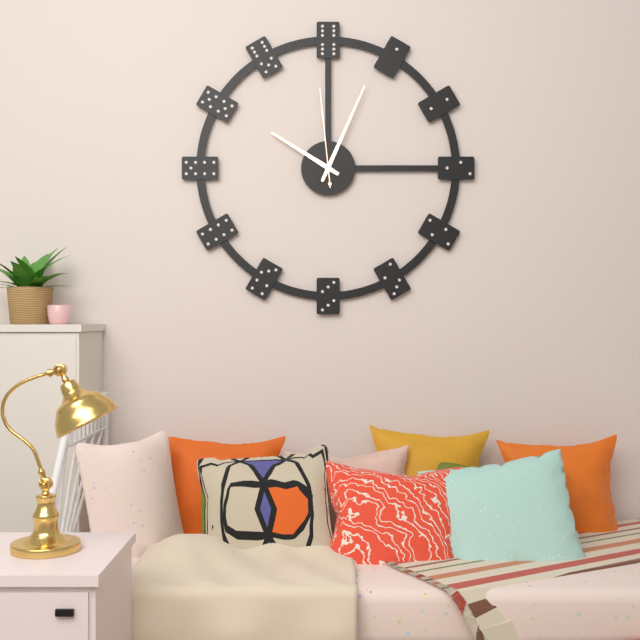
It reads 10h04m59s
